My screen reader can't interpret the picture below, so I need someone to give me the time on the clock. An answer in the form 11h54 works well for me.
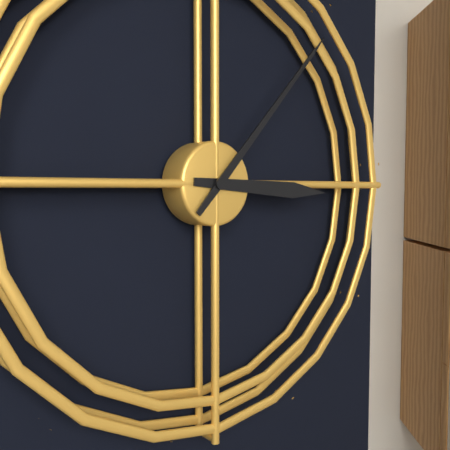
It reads 3h07
